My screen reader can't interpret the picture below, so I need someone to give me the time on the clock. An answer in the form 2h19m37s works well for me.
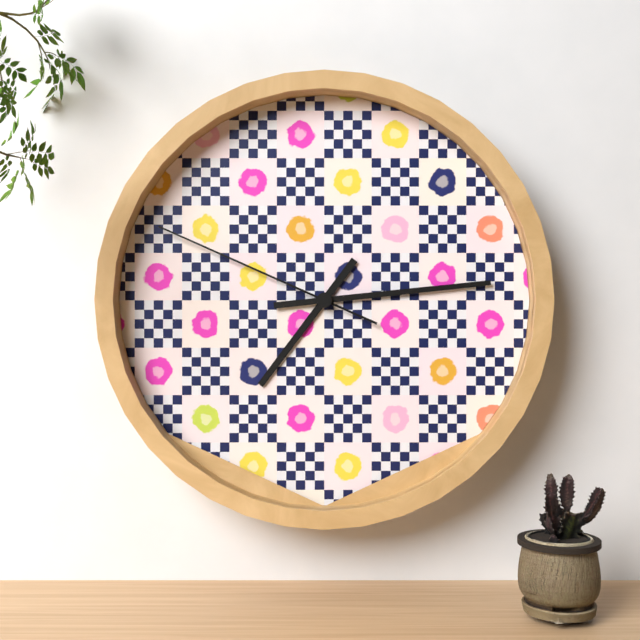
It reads 7h14m49s
